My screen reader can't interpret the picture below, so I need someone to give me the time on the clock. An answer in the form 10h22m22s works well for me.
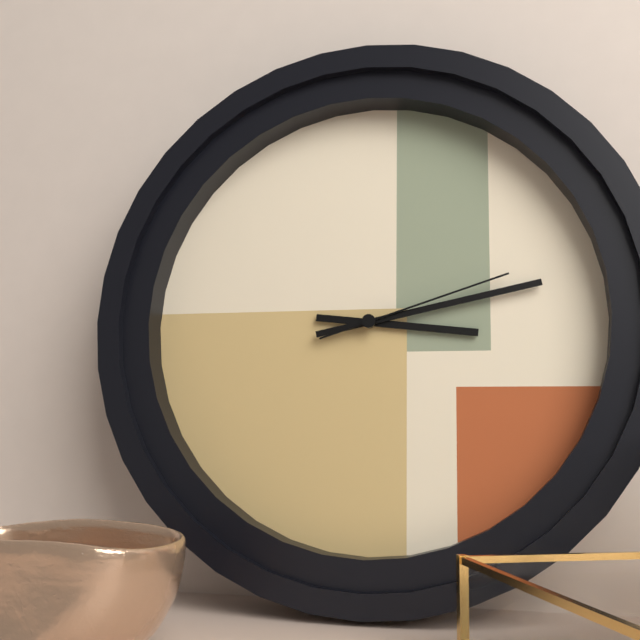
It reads 3h13m12s
